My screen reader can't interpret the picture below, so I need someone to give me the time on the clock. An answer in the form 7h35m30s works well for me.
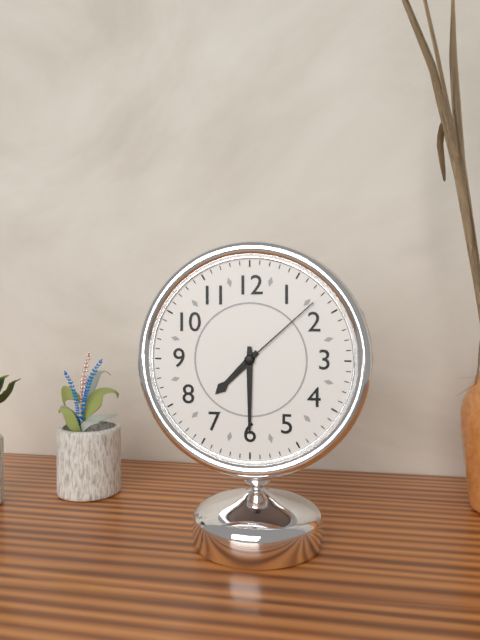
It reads 7h30m08s
